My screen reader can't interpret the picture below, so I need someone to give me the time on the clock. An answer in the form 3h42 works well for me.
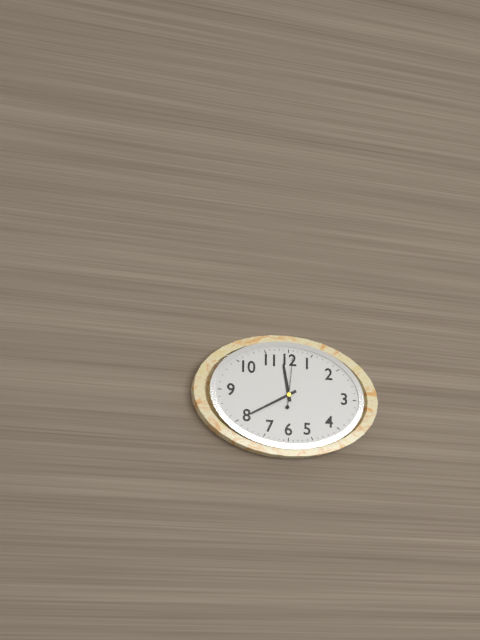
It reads 11h40
